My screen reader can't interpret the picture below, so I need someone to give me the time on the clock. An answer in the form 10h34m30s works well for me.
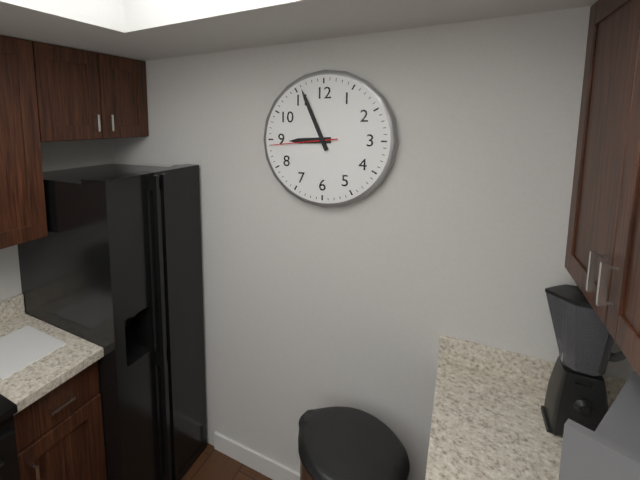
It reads 8h56m44s
